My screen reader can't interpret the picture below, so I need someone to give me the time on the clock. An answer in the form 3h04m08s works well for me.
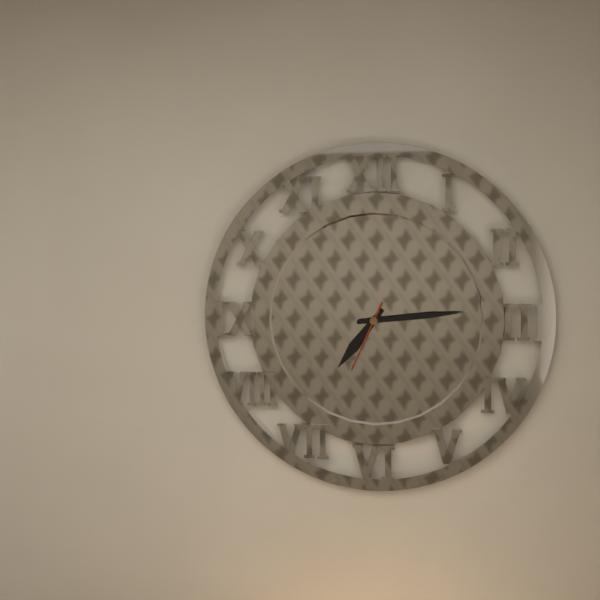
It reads 7h14m34s
